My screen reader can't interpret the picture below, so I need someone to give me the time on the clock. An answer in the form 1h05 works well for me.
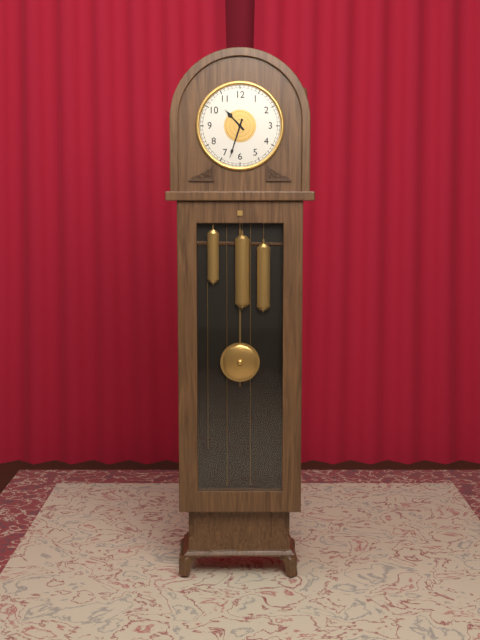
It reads 10h33
